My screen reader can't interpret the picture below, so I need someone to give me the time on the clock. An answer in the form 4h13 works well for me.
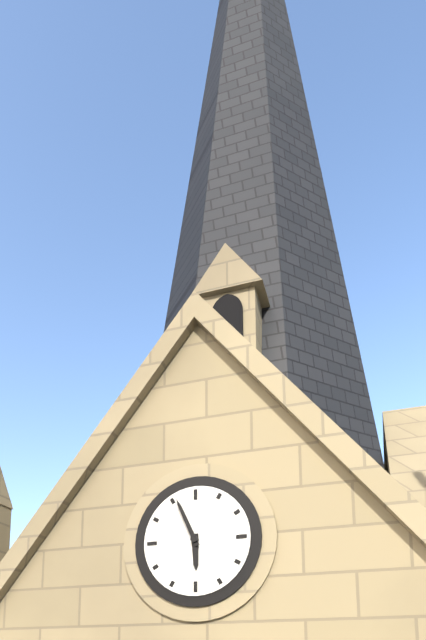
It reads 5h56
